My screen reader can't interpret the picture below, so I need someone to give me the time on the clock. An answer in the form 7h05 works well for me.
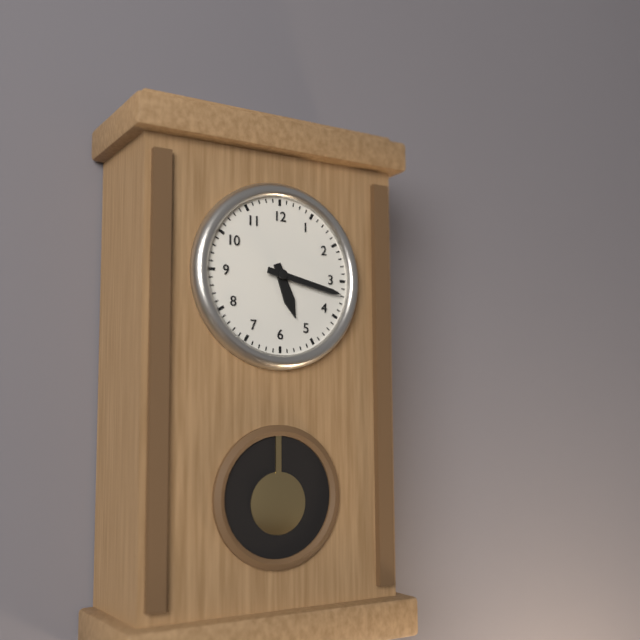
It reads 5h17
